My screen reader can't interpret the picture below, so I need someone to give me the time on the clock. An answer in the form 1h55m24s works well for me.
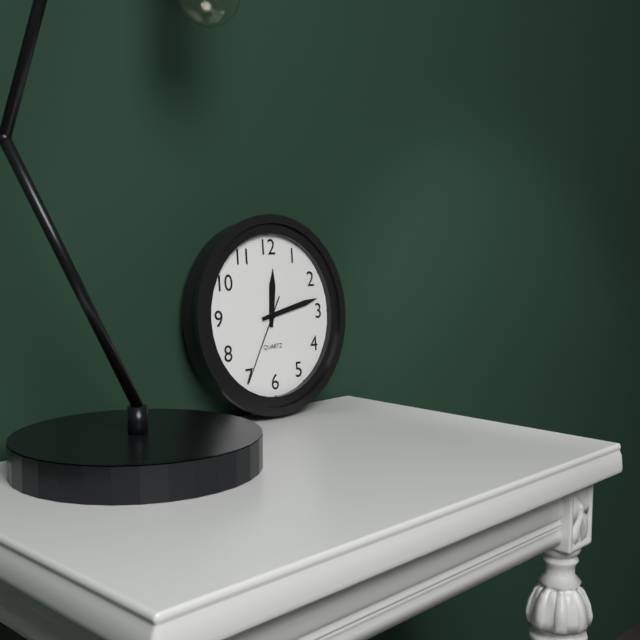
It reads 12h13m35s
